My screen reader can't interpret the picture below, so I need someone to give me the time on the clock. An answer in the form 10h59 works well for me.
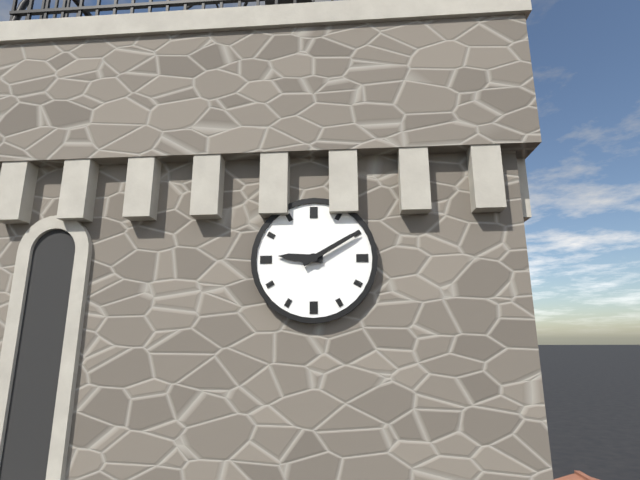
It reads 9h10
